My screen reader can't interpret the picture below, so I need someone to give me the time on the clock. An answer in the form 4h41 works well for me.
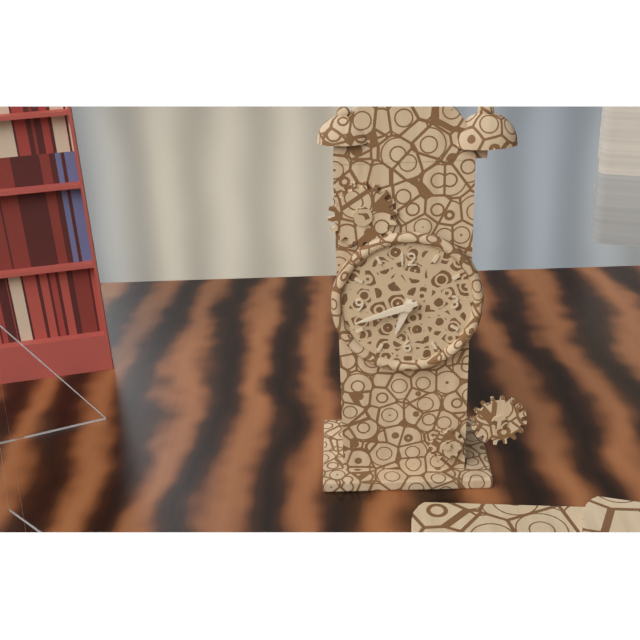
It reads 6h42
